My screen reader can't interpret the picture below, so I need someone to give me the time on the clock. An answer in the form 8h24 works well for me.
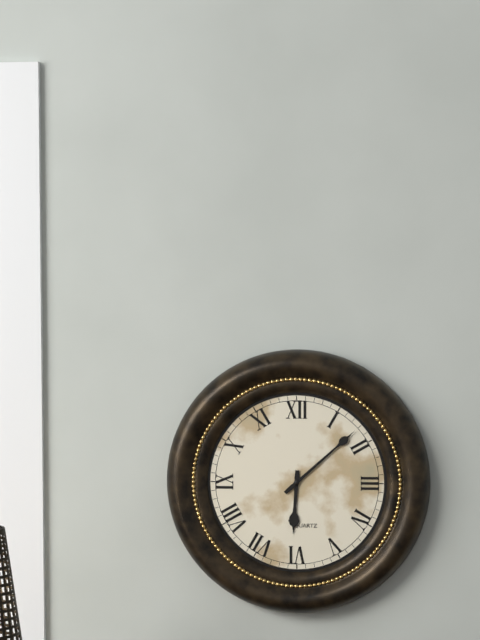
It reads 6h08
